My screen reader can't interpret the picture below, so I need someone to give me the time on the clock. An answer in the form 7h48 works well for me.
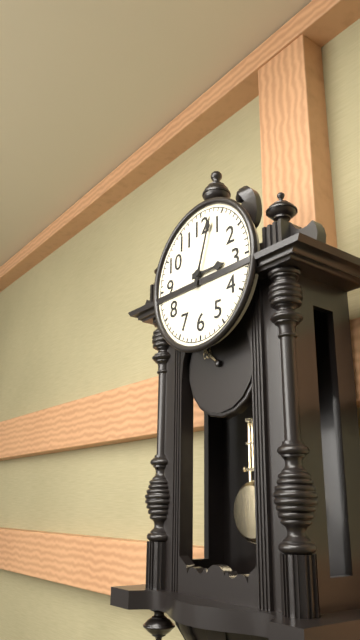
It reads 3h03
